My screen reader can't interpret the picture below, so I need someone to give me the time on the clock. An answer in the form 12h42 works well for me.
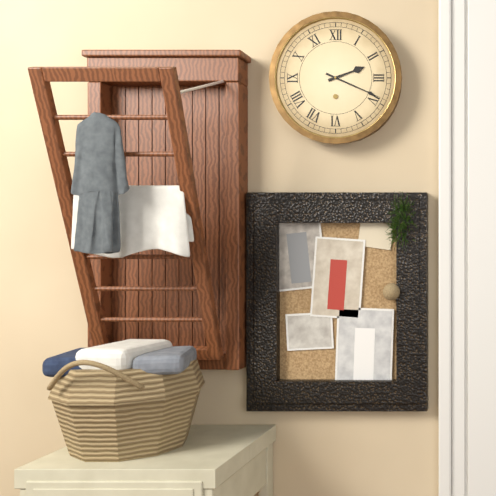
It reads 2h19
